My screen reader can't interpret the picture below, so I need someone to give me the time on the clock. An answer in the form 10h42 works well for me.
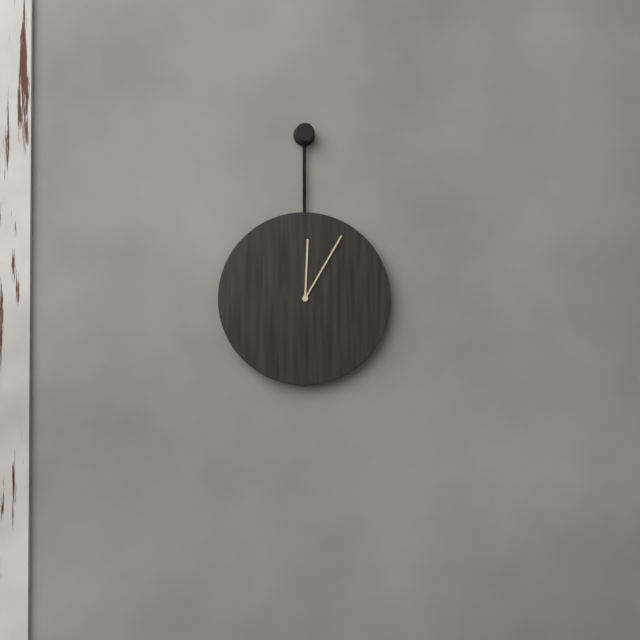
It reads 12h05
